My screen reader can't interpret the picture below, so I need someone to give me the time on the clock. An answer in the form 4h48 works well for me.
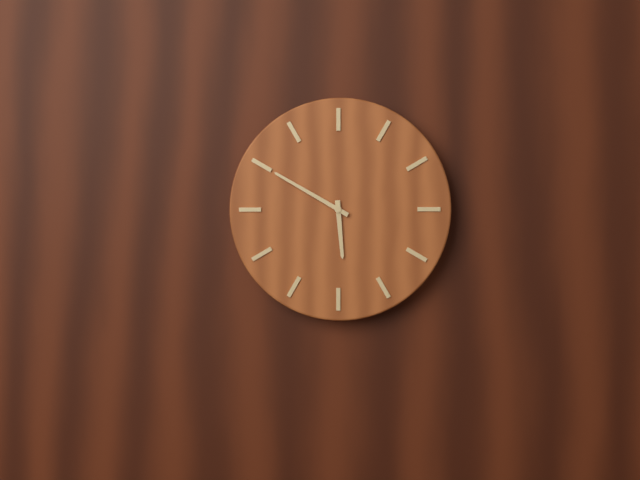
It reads 5h50
